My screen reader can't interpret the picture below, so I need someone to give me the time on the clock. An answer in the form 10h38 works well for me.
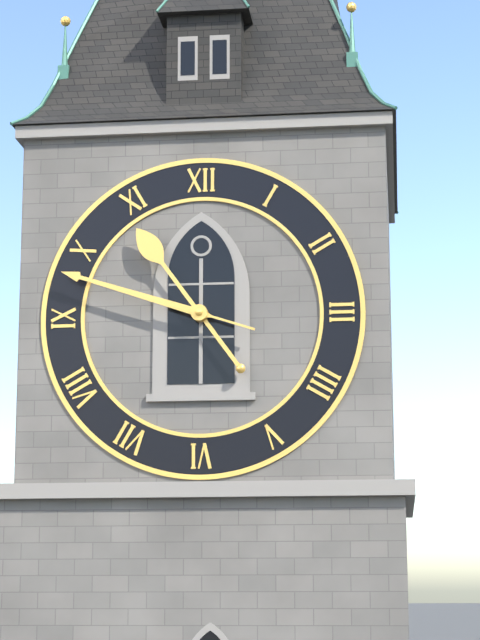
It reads 10h48
